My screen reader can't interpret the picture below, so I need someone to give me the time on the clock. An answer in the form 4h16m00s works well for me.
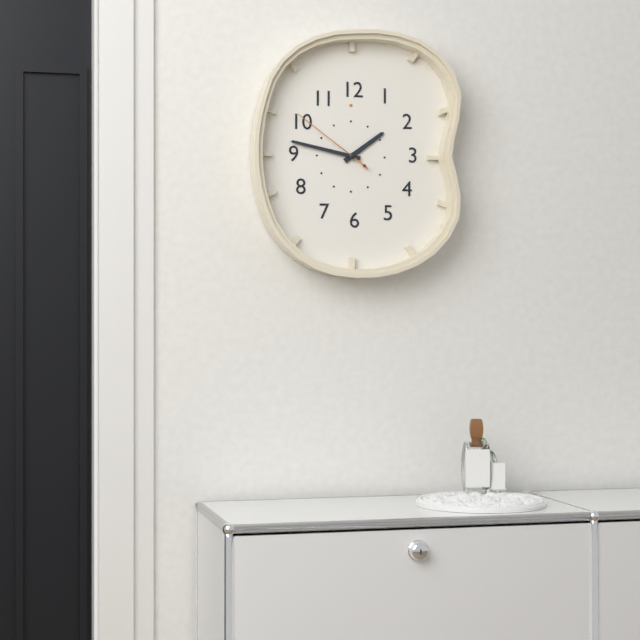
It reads 1h47m51s
